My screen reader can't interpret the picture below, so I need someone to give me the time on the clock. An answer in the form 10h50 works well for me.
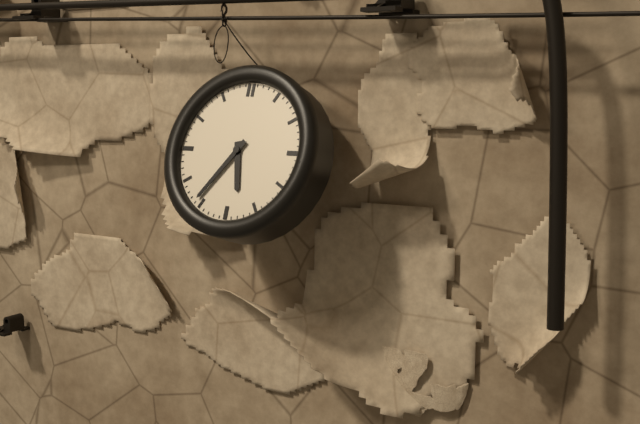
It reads 5h36
